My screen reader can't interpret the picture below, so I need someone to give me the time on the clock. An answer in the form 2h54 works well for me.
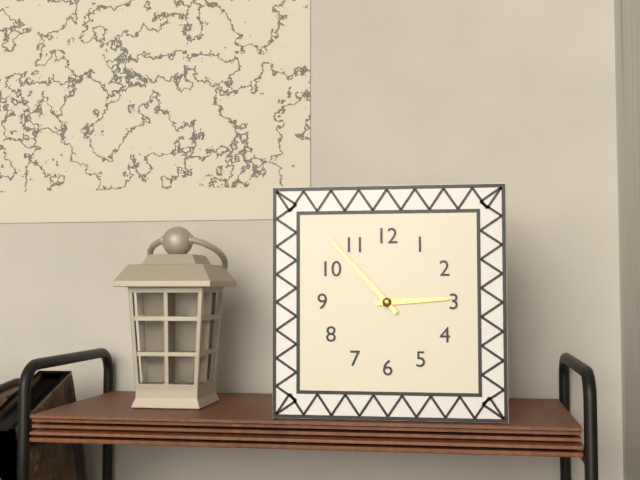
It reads 2h53
